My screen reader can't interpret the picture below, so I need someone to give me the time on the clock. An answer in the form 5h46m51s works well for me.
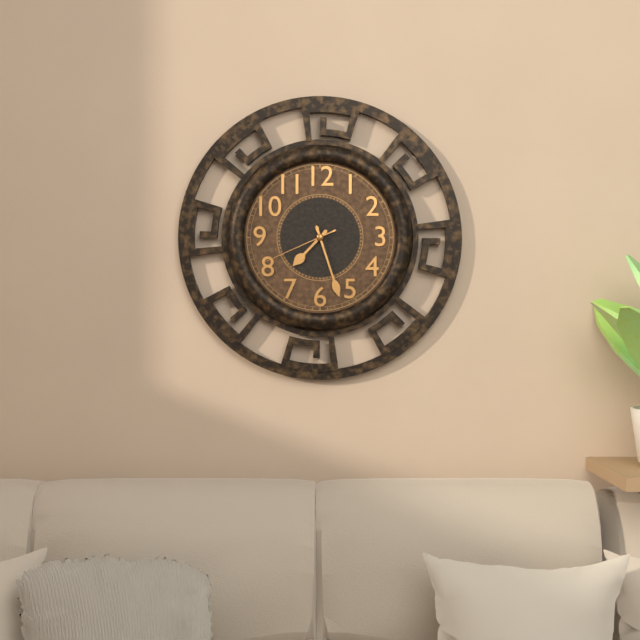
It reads 7h27m41s
